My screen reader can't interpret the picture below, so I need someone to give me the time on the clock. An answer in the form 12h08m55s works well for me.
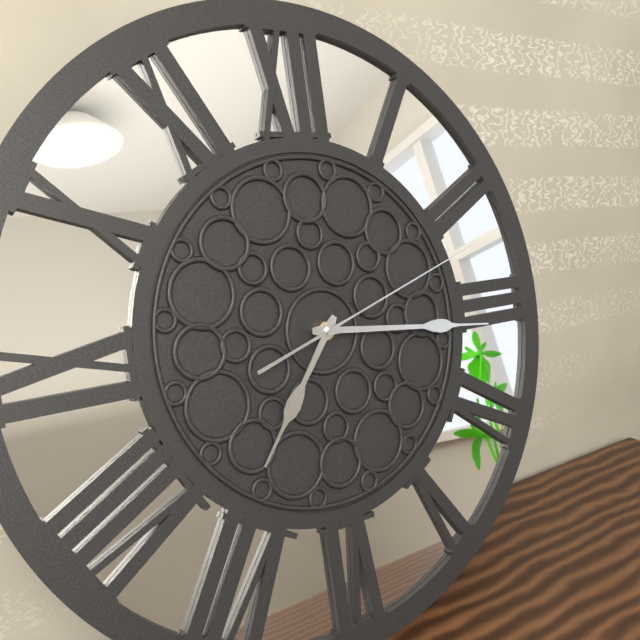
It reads 7h16m12s
